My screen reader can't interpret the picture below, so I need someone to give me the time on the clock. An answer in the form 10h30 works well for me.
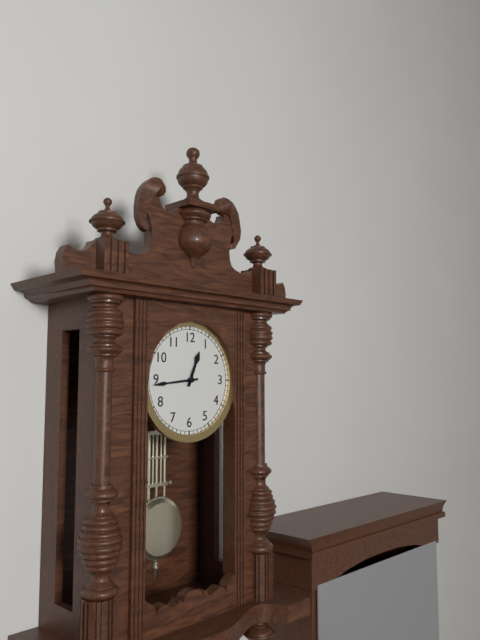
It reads 12h44
